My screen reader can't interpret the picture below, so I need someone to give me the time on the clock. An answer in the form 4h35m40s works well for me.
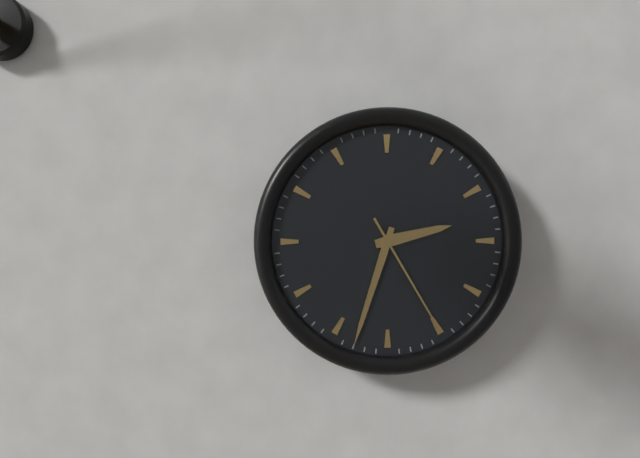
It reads 2h33m25s
